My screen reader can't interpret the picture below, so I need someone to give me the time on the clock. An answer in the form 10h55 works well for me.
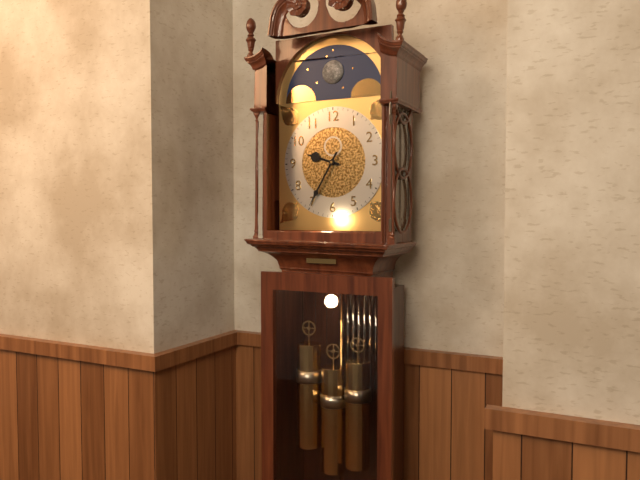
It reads 9h35
